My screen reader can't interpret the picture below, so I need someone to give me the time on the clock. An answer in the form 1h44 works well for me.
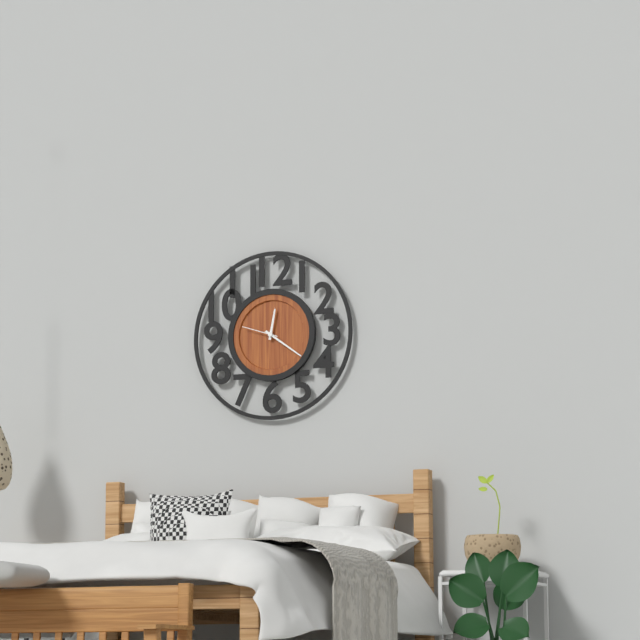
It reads 12h21
